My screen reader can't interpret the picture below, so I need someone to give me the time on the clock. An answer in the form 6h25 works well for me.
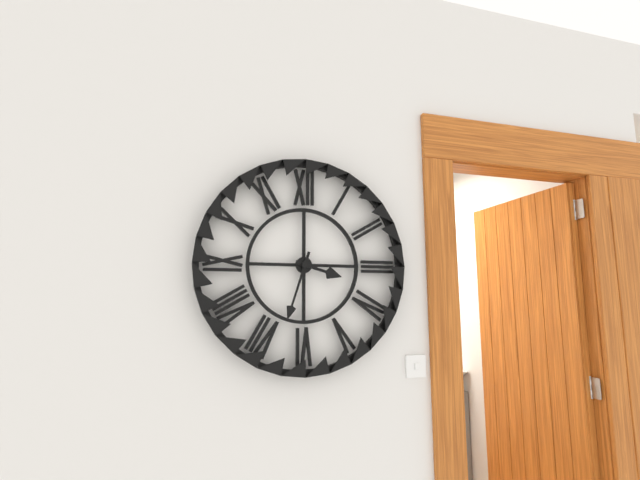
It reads 3h33
